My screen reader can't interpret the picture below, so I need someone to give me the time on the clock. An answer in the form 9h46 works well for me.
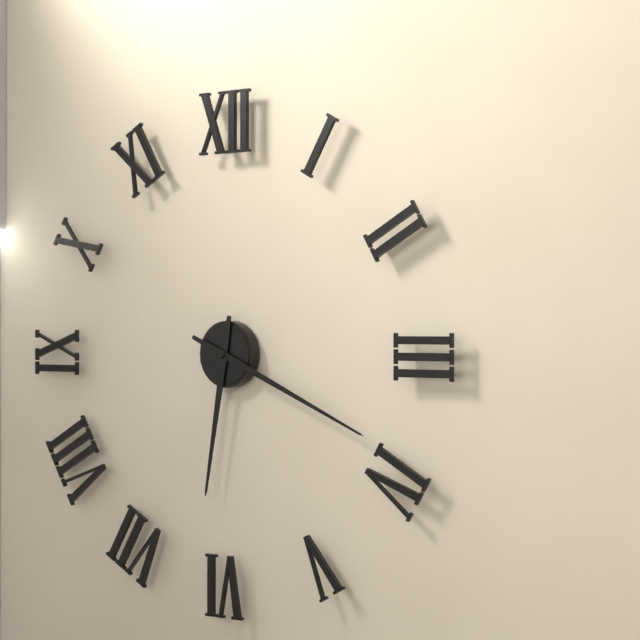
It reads 6h19
